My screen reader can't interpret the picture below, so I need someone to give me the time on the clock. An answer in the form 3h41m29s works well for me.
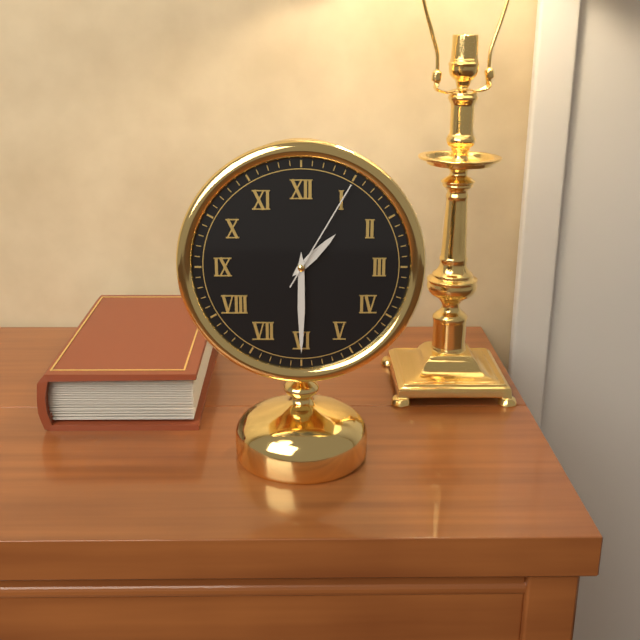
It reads 1h30m05s
